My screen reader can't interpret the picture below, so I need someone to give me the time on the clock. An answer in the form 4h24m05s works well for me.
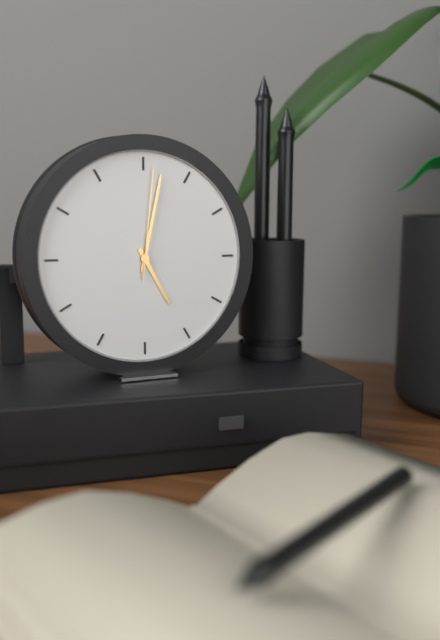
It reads 5h02m01s
